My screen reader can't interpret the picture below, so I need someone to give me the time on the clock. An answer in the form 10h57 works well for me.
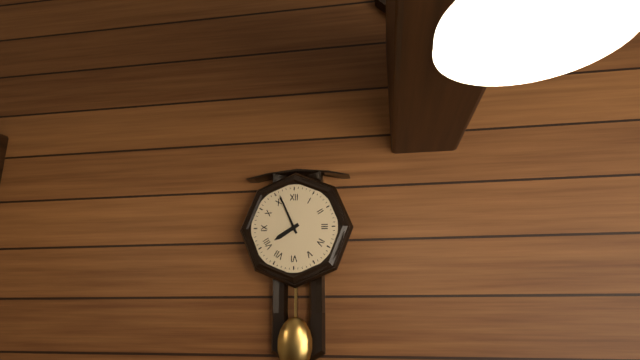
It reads 7h56
